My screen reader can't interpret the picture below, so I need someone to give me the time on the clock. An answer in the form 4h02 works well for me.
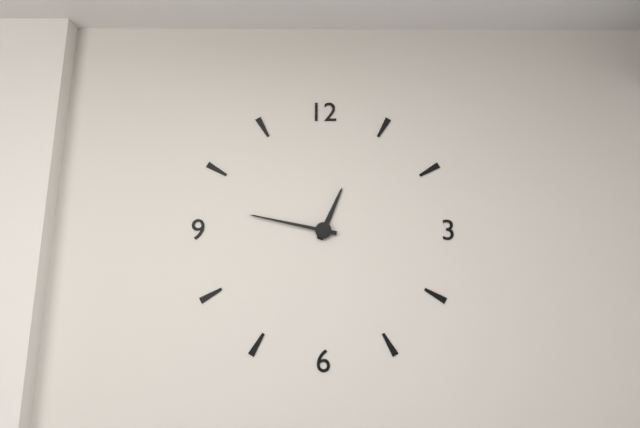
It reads 12h47
